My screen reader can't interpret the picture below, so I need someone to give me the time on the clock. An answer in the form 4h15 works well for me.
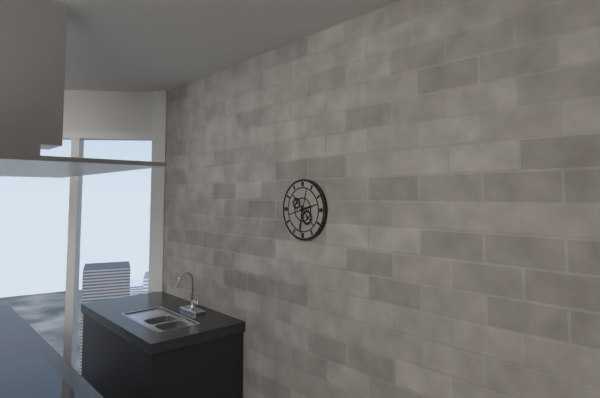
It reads 2h31
